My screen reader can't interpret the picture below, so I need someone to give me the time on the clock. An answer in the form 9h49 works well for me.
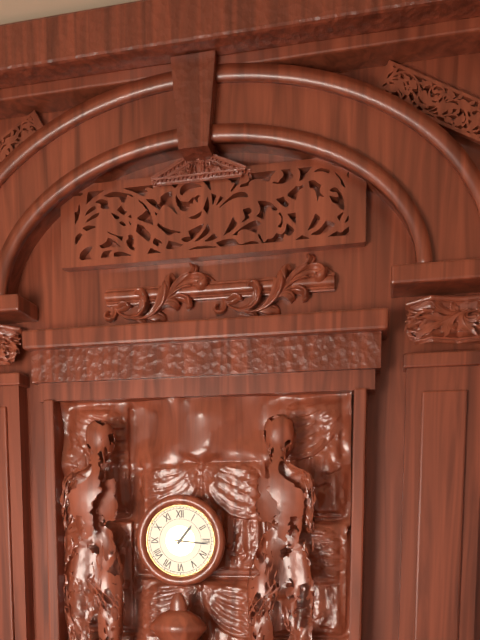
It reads 1h16
